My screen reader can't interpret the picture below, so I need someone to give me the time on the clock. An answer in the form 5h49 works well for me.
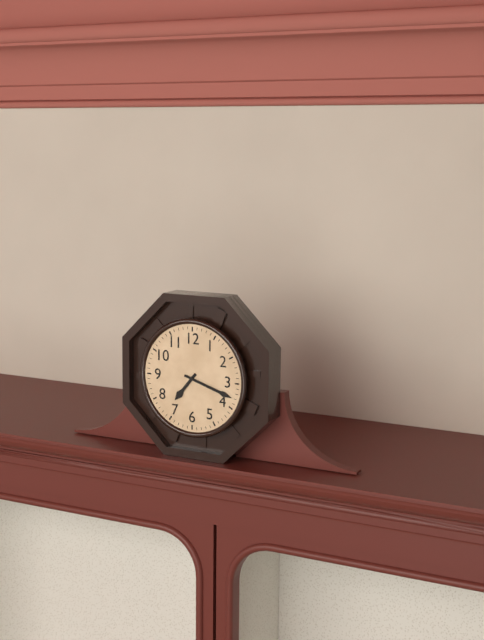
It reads 7h18
